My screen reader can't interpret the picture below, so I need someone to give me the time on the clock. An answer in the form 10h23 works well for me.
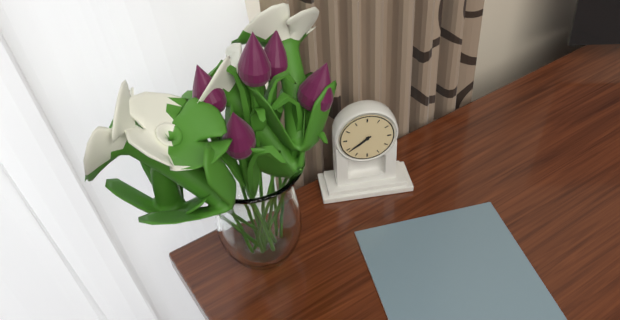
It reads 7h39
